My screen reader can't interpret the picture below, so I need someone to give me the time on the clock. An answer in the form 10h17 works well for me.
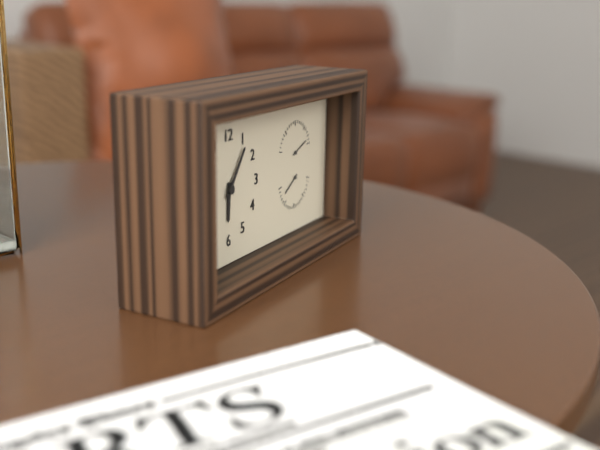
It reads 6h06
